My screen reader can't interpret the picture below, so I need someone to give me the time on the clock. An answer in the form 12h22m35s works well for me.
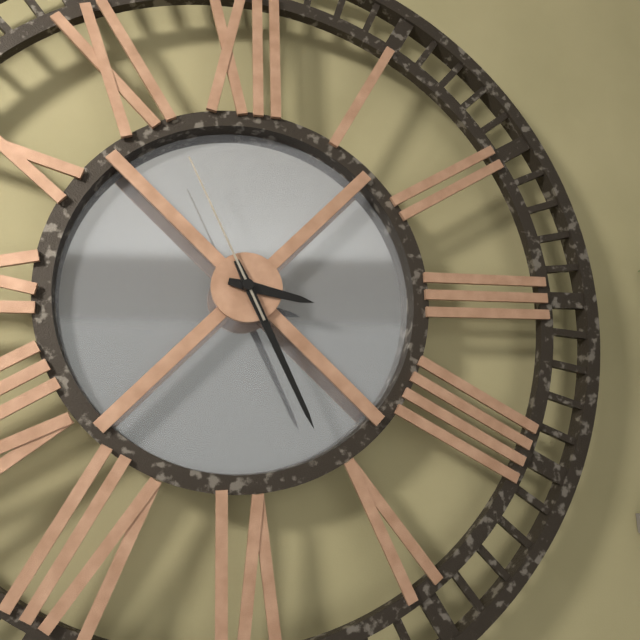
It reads 3h26m56s
